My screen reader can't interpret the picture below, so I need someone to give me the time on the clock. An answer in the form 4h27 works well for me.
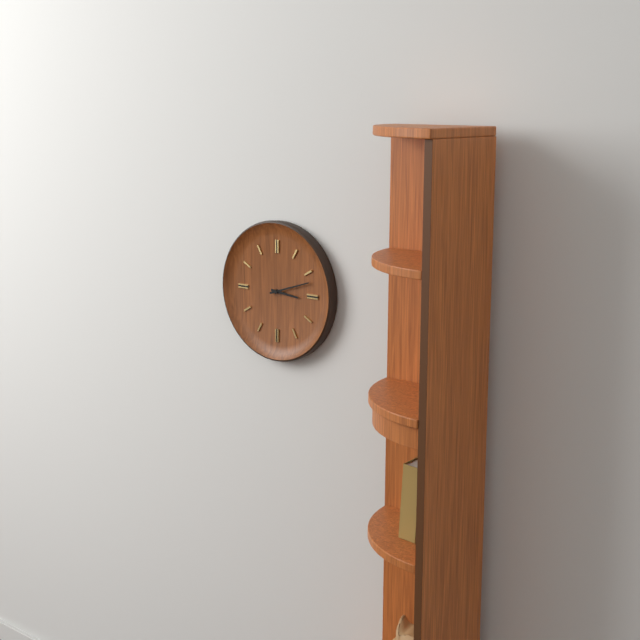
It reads 3h12
